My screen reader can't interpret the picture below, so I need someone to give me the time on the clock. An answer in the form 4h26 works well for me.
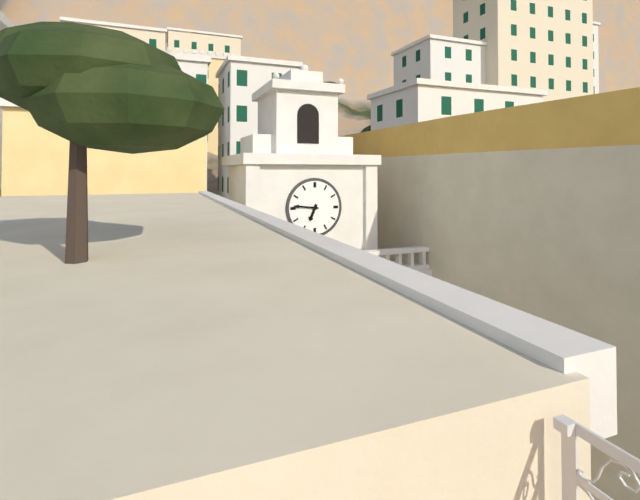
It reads 6h46
